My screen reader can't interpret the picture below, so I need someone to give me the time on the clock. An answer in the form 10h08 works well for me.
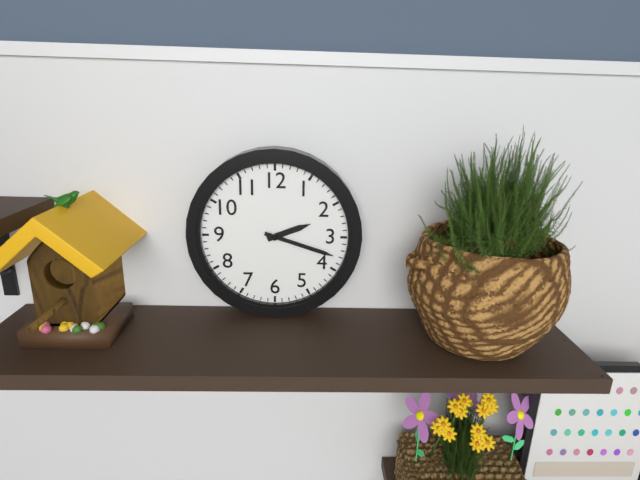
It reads 2h18
